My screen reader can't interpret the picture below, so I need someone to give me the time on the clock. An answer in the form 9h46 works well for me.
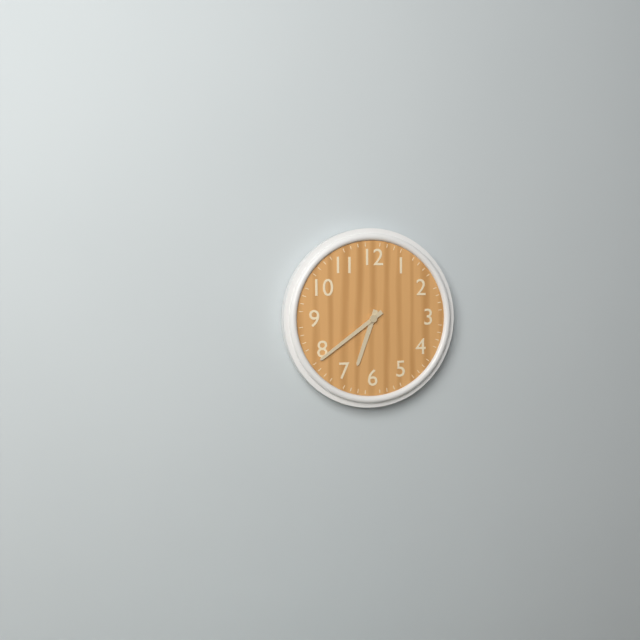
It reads 6h39
